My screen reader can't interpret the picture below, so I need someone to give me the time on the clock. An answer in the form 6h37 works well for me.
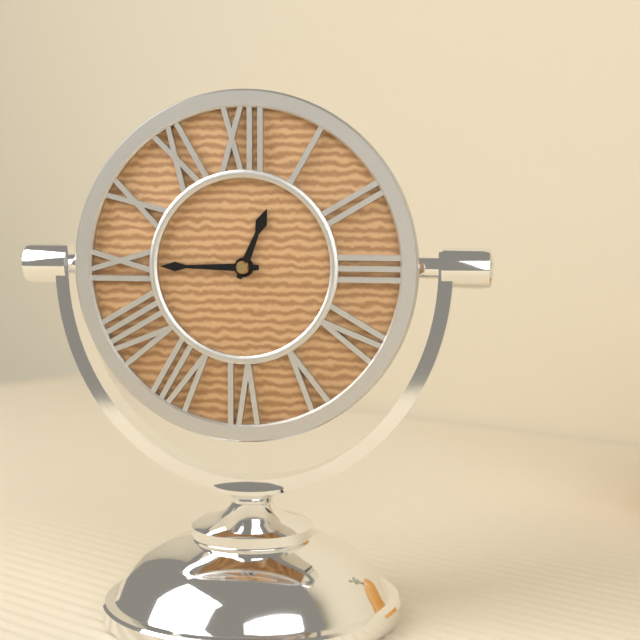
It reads 12h45
